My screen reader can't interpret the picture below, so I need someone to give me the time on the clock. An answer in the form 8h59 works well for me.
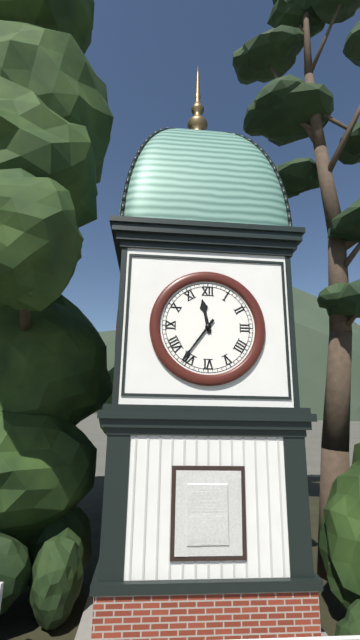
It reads 11h36
